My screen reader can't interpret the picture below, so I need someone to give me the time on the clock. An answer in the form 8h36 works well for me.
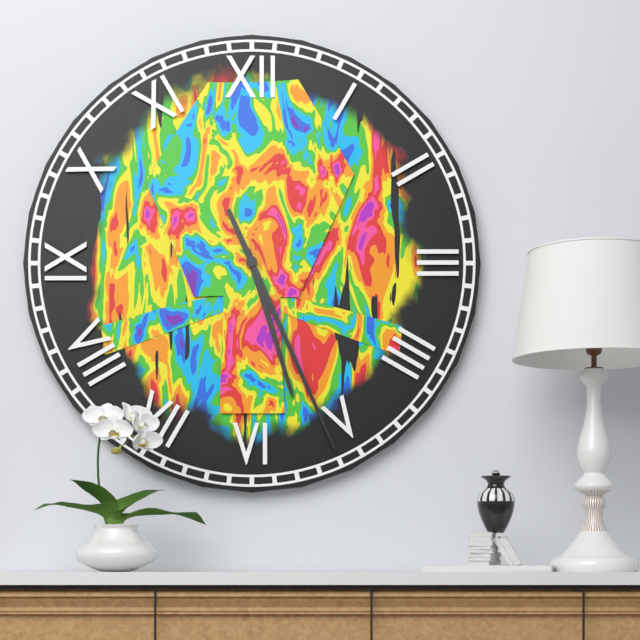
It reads 5h26
